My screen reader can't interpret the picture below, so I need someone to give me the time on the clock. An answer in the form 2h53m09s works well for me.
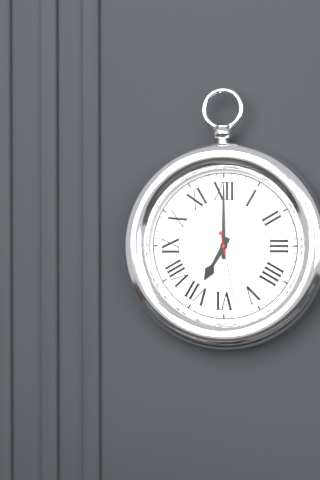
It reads 7h00m28s
